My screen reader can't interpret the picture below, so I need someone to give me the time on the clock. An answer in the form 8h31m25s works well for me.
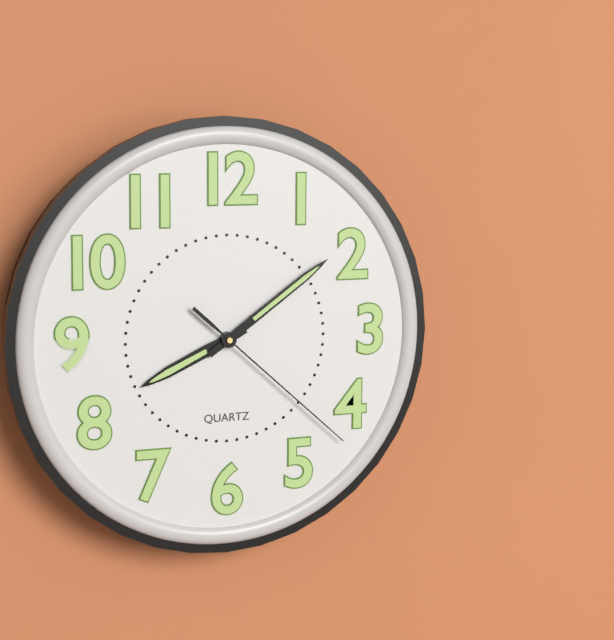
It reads 8h09m22s
